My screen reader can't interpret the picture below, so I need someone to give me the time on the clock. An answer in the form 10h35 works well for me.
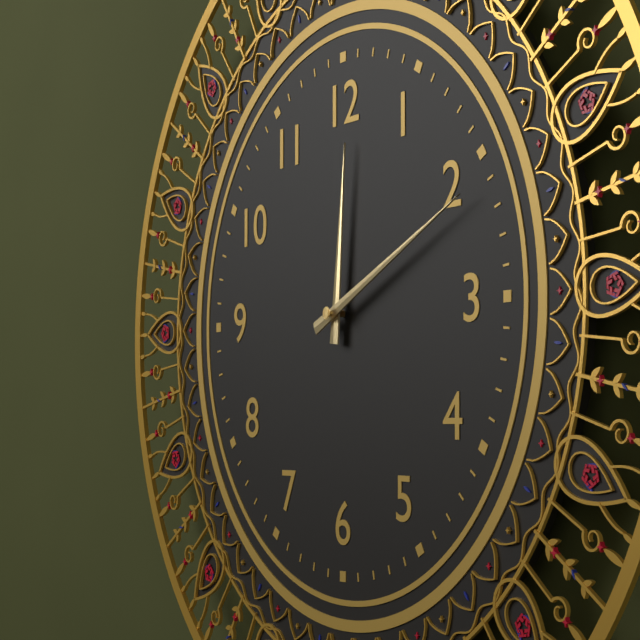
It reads 12h11
